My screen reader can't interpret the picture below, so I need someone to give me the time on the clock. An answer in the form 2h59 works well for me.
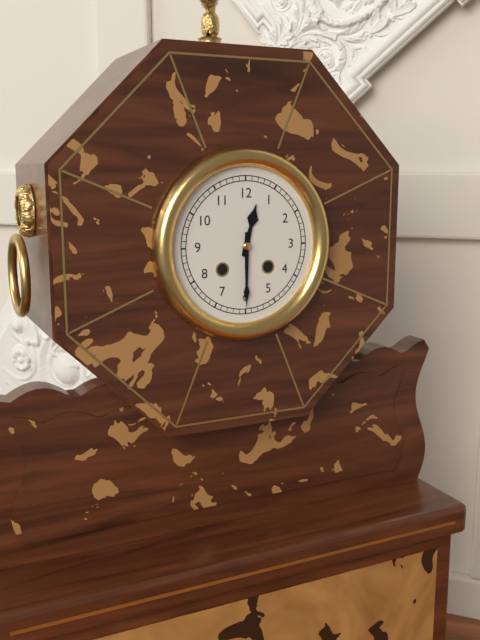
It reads 12h30
